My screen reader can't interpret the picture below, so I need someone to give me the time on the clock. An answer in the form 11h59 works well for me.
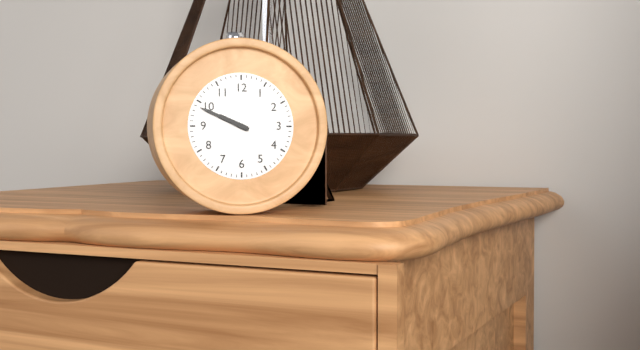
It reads 9h49
